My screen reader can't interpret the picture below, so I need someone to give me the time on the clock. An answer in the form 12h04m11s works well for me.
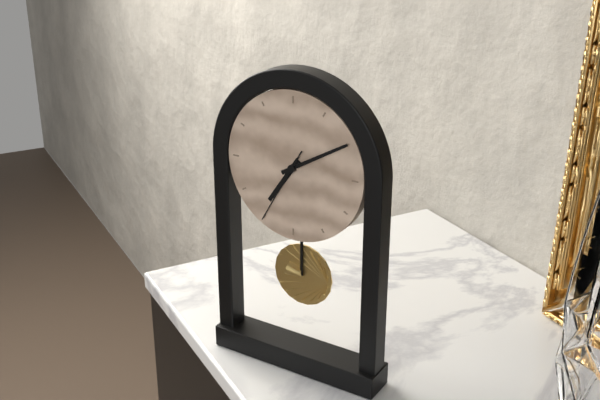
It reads 7h10m35s
